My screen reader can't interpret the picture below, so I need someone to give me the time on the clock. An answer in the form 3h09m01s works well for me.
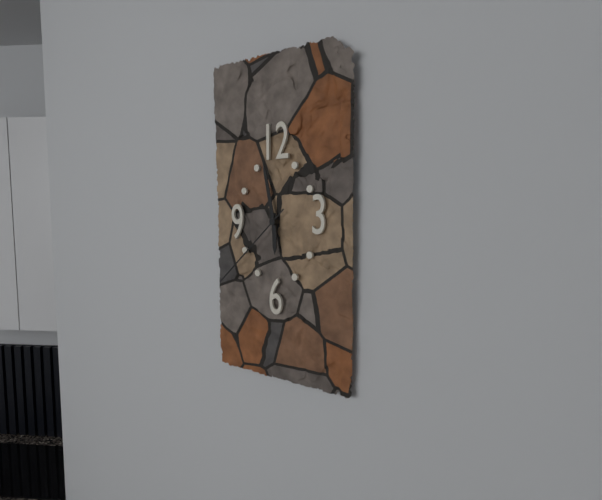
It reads 5h58m38s
